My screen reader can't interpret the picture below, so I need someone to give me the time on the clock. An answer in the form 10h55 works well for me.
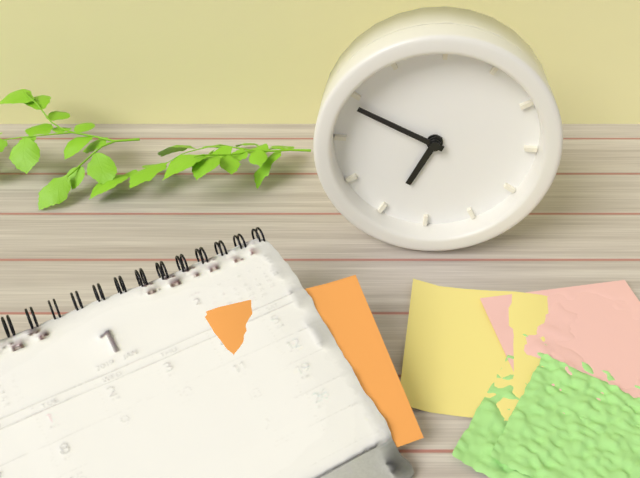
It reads 6h49
